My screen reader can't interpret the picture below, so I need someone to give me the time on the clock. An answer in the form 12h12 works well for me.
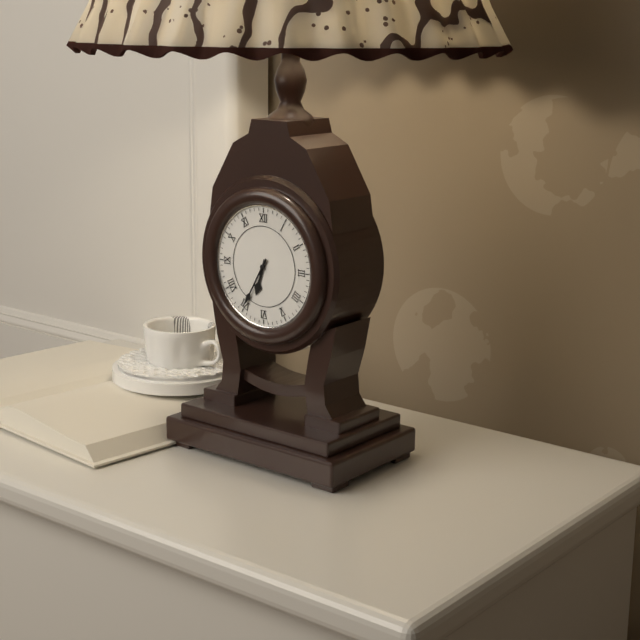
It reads 6h35
